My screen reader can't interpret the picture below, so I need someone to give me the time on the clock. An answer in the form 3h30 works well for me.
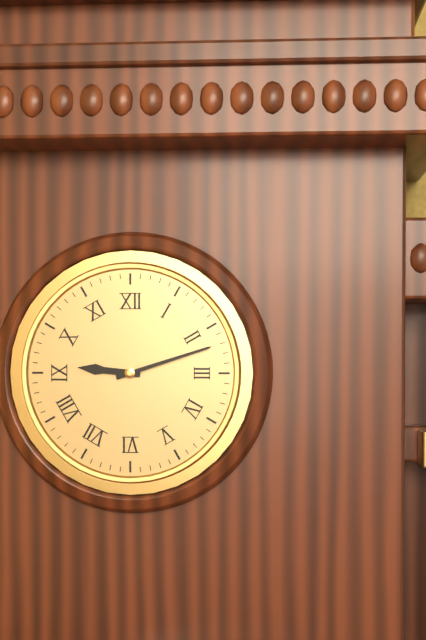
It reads 9h12
